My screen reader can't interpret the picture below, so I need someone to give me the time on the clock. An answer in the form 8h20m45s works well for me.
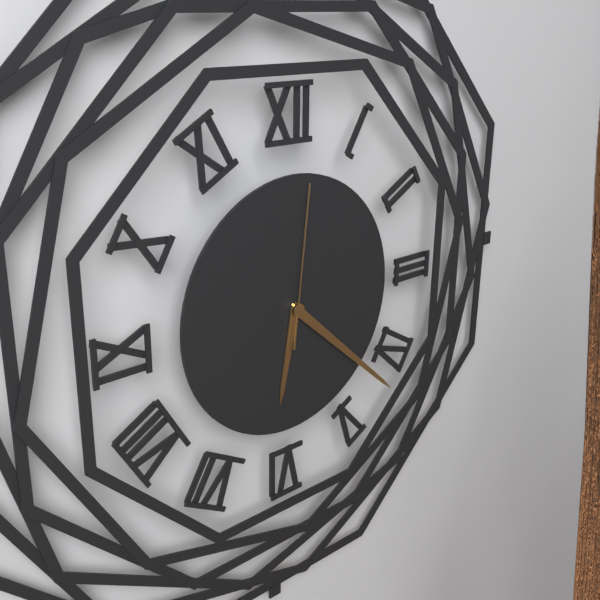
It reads 6h22m01s
